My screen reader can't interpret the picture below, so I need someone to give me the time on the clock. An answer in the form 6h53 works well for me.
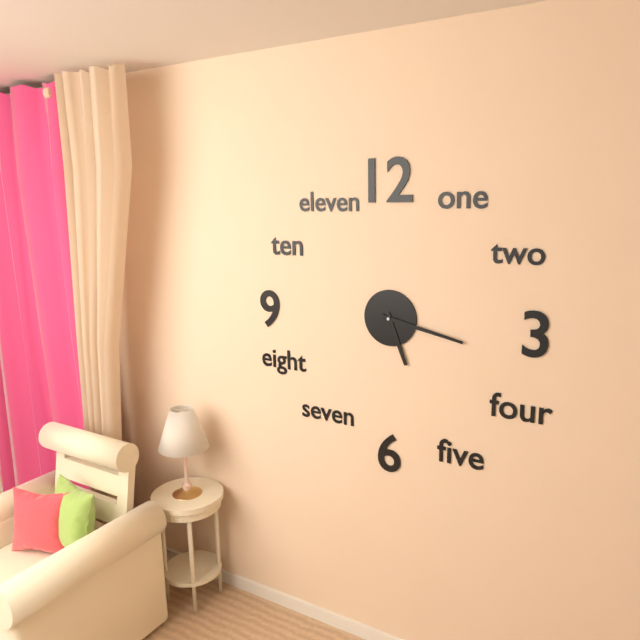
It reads 5h17
